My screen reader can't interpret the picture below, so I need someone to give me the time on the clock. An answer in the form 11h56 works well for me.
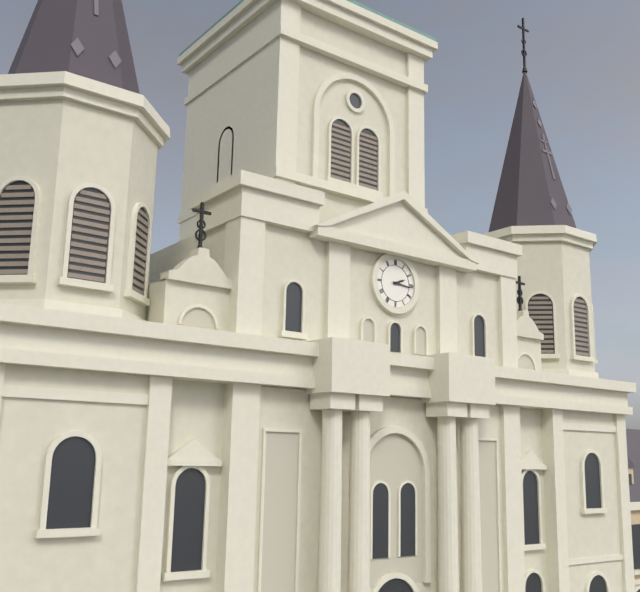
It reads 2h16
